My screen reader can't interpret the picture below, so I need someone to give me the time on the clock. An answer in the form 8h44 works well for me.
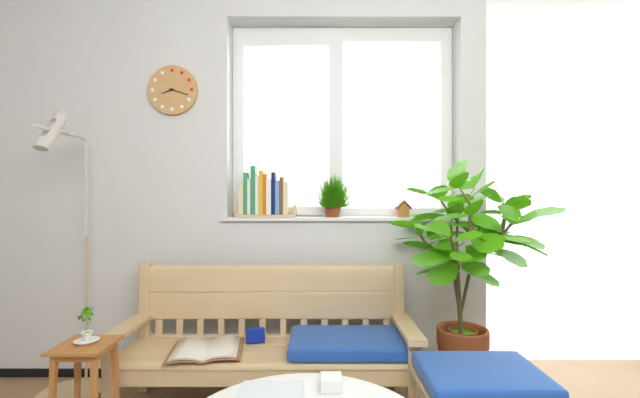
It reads 8h18
